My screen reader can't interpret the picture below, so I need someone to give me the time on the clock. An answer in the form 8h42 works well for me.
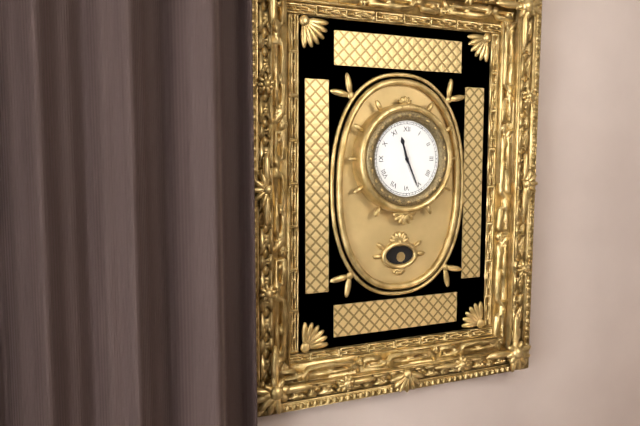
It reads 11h26
